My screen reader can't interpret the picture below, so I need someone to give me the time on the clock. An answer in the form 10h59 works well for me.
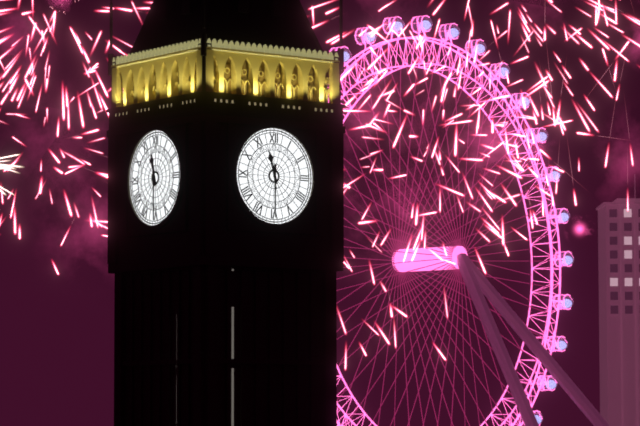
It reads 11h30
